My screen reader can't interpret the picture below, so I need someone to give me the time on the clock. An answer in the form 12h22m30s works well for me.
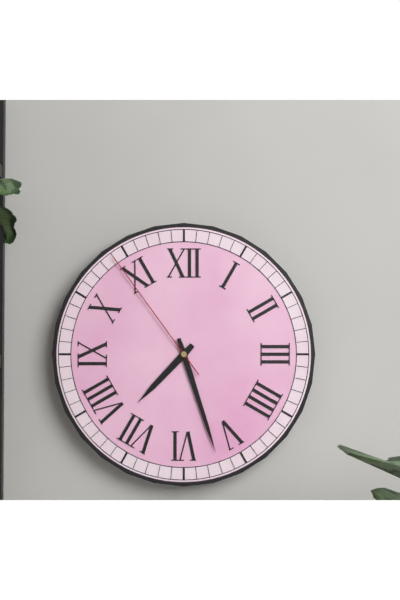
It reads 7h27m54s
